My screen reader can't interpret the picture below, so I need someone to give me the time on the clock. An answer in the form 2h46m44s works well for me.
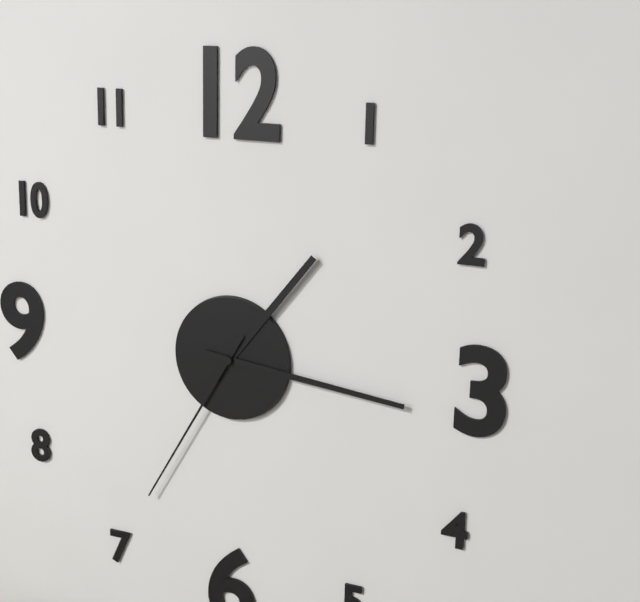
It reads 1h16m35s
